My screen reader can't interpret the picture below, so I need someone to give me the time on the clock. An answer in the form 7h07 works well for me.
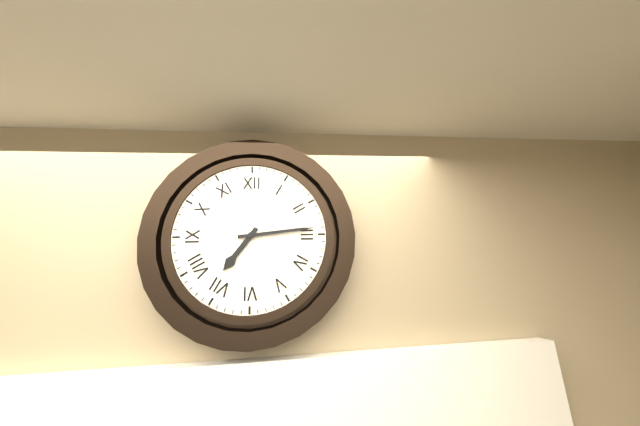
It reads 7h14
